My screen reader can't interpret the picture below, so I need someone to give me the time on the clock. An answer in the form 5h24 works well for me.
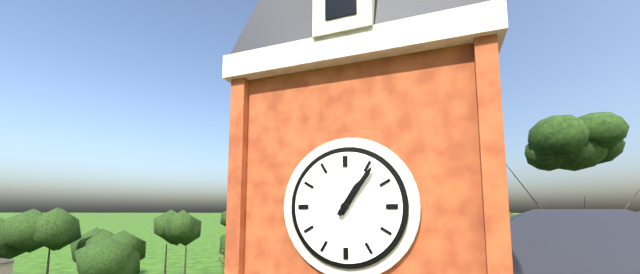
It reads 1h06
